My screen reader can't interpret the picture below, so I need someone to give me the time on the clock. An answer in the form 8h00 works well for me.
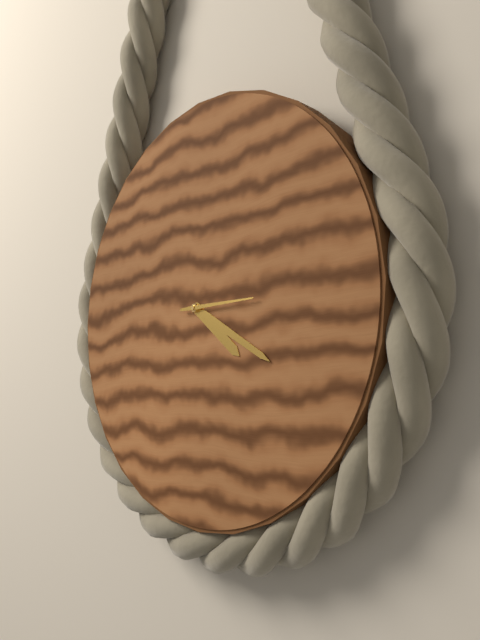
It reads 4h20
